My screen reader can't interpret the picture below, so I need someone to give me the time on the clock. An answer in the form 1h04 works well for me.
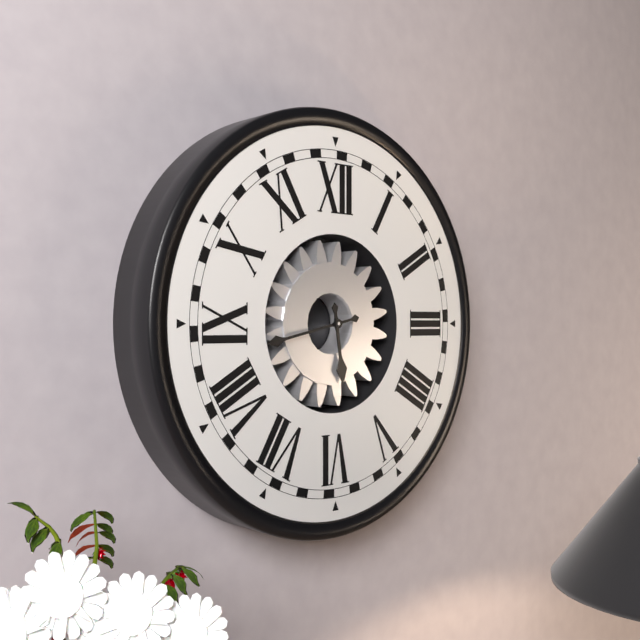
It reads 5h43
